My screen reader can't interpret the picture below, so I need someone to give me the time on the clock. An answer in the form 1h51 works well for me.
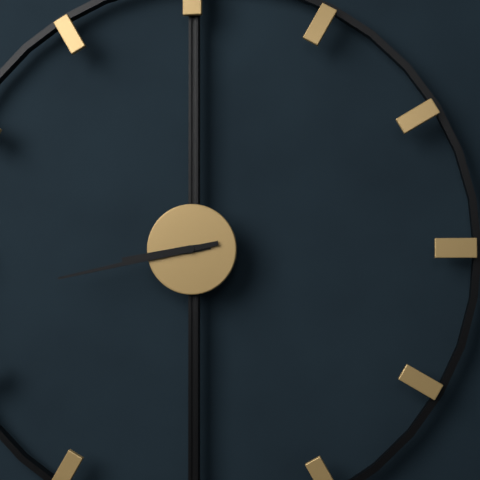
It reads 8h43
